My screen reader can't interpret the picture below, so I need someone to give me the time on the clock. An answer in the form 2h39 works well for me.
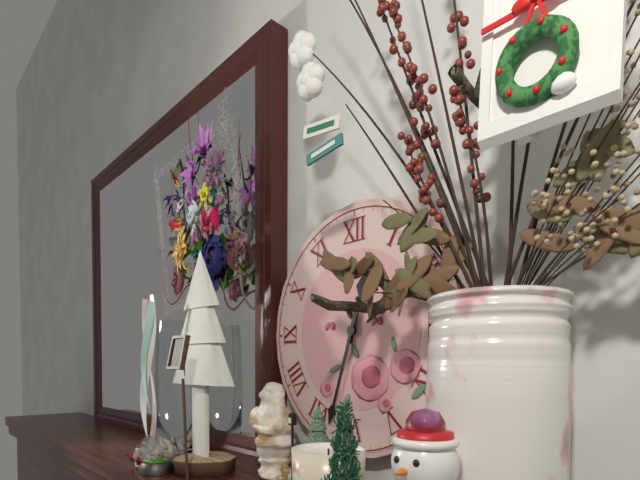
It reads 12h33
